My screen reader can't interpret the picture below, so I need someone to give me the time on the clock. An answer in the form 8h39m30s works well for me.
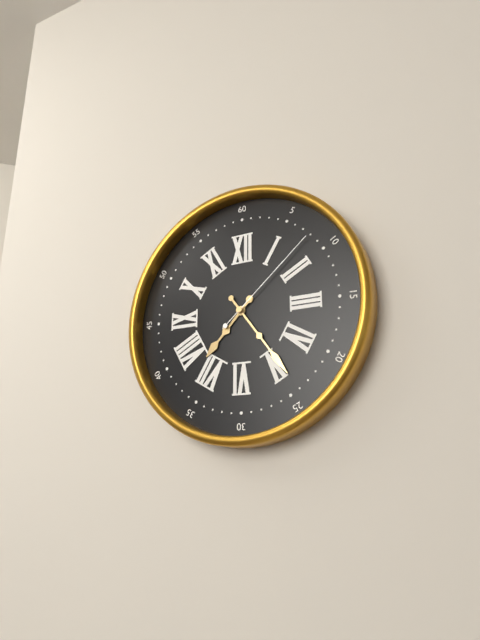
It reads 7h24m08s
